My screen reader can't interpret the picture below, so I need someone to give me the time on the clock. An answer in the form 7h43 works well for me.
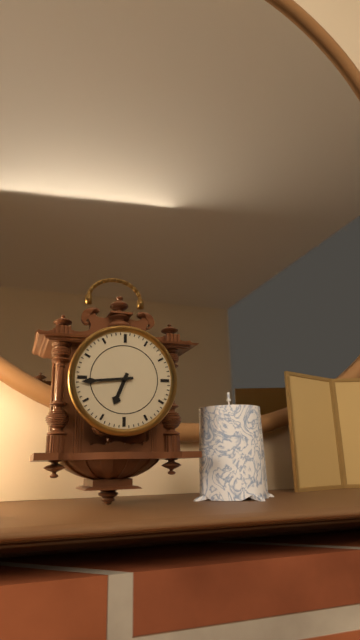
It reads 6h44
